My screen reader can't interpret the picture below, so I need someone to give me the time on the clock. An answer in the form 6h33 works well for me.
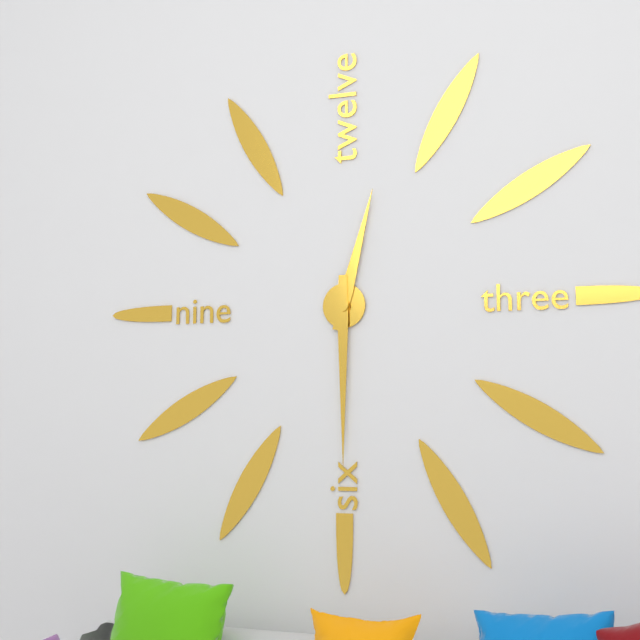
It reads 12h30
